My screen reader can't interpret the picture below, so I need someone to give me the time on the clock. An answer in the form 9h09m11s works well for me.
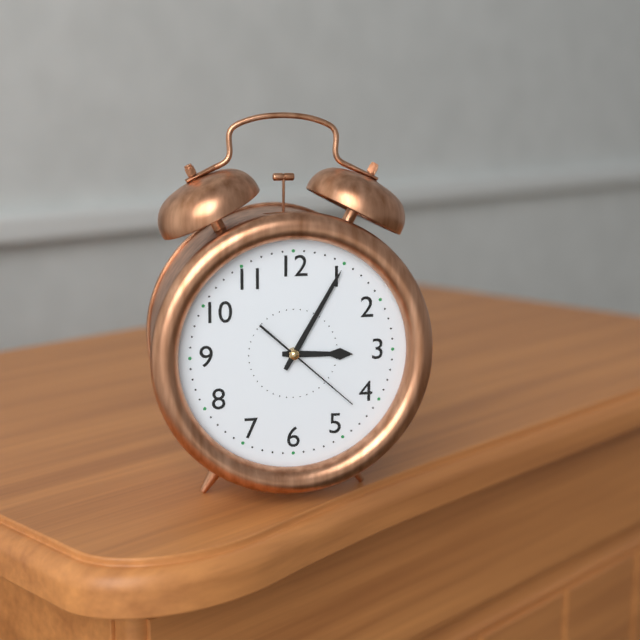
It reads 3h05m22s
